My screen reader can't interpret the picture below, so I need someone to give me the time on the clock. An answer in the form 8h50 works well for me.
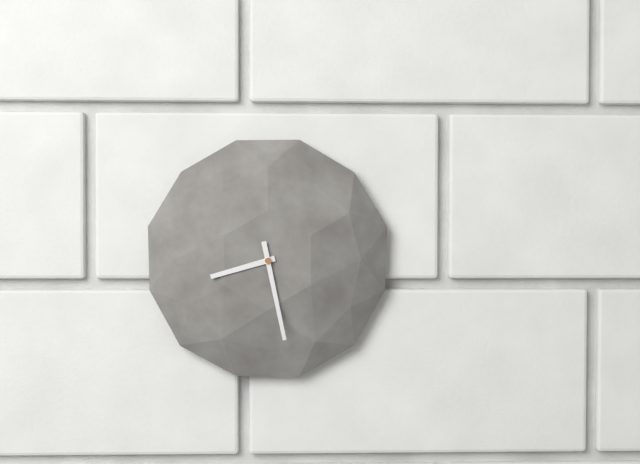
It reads 8h28
